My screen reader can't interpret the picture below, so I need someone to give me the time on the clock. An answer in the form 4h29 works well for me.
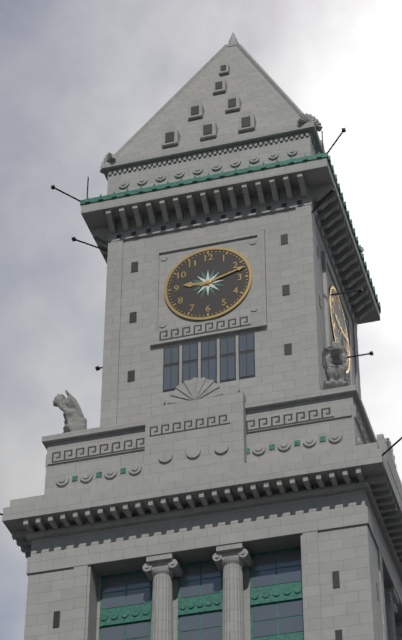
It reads 9h12
